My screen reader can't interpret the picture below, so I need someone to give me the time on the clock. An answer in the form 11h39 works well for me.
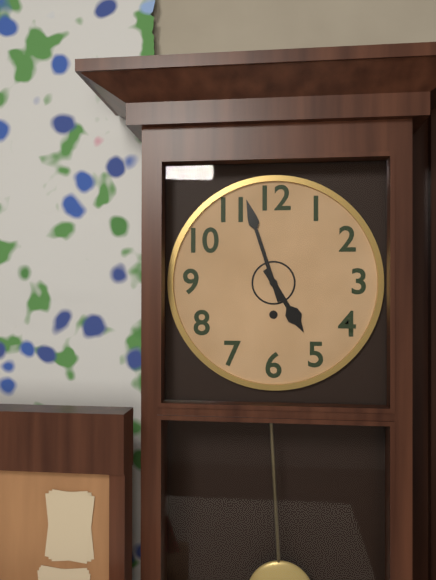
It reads 4h57
